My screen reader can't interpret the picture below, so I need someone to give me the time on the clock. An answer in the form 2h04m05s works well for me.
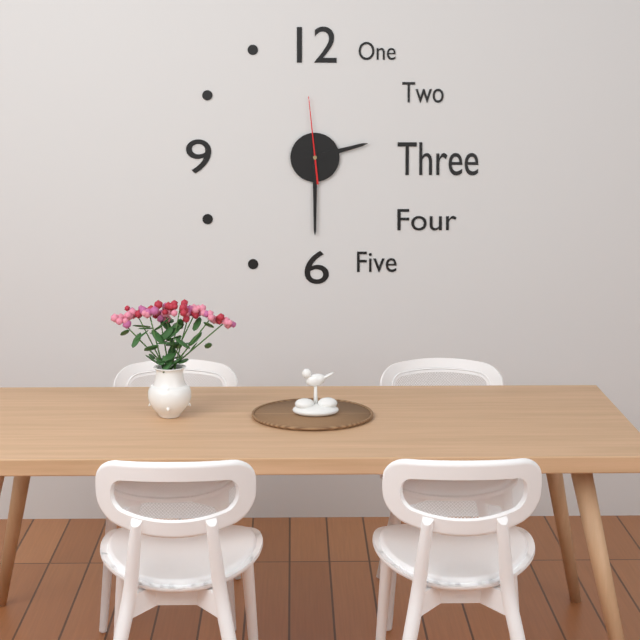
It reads 2h30m59s
